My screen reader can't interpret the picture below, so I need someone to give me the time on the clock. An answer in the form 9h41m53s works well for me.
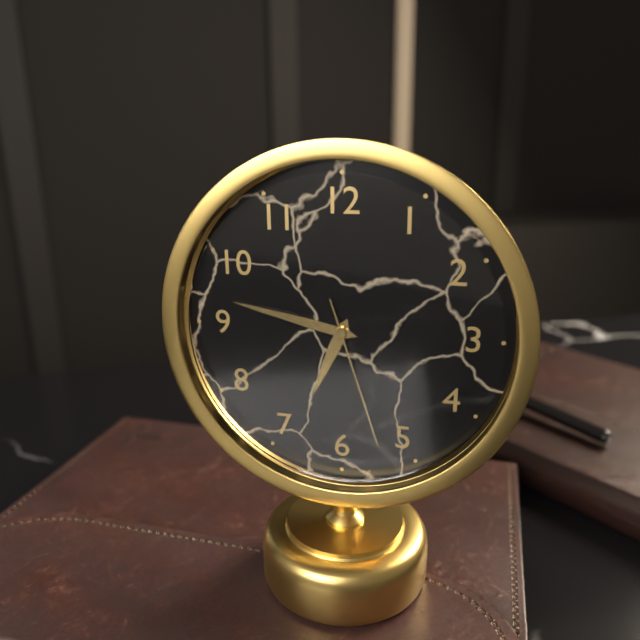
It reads 6h47m27s
